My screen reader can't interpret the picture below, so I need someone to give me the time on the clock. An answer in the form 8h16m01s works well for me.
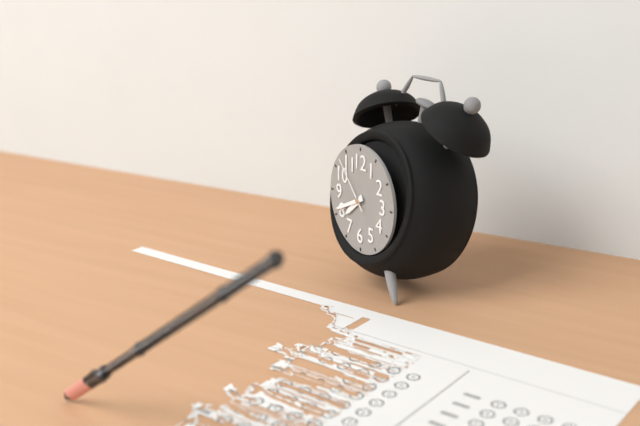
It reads 7h41m53s
